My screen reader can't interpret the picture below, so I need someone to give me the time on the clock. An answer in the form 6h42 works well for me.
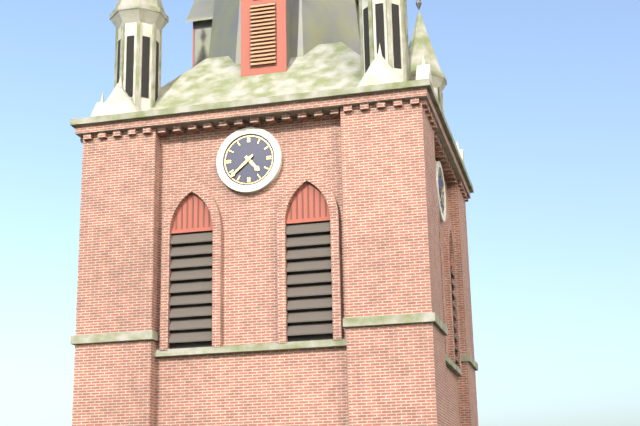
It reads 4h38
